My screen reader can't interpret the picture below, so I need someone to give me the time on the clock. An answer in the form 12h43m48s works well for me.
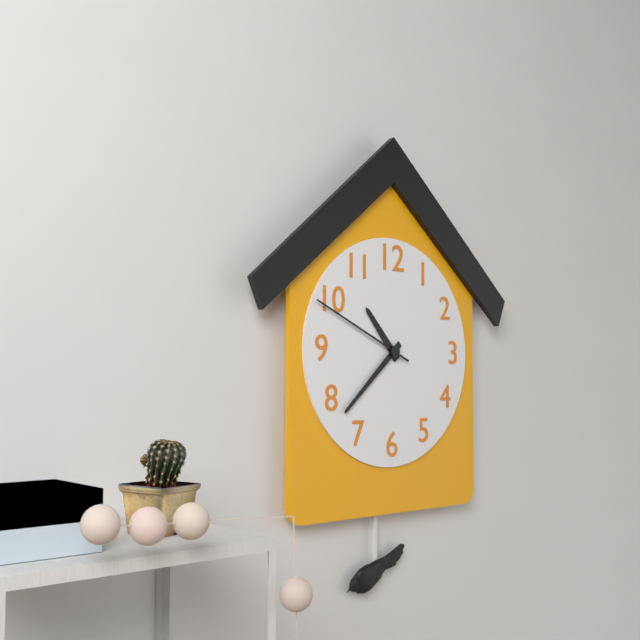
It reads 10h38m49s
